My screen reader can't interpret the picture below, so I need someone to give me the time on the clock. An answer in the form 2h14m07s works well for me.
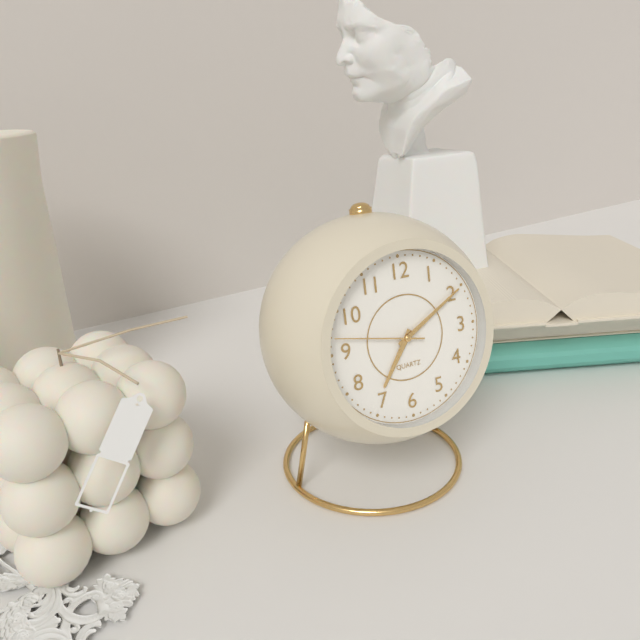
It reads 7h10m47s
